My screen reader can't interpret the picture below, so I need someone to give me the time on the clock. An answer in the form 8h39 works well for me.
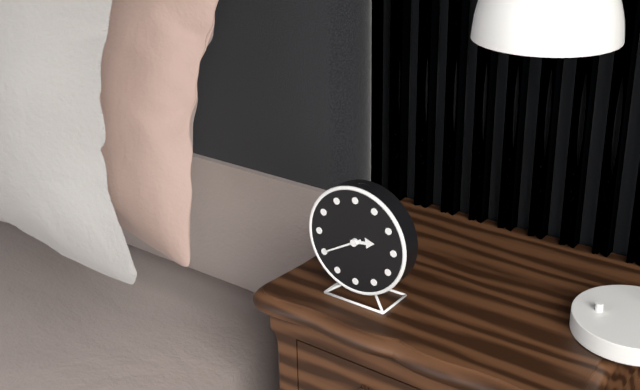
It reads 2h40
